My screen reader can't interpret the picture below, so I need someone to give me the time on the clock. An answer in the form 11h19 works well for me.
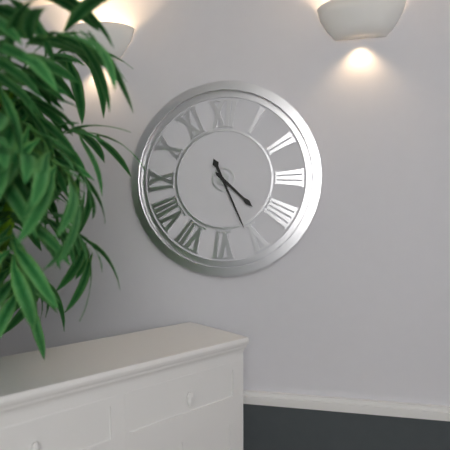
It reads 4h26
